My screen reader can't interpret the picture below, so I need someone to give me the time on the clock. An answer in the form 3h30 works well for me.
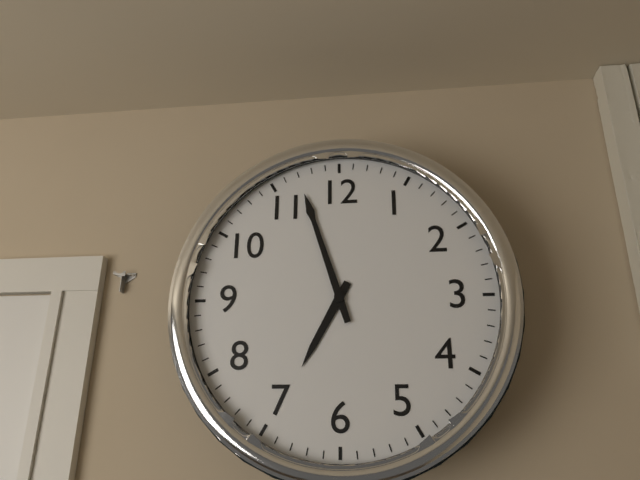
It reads 6h57
